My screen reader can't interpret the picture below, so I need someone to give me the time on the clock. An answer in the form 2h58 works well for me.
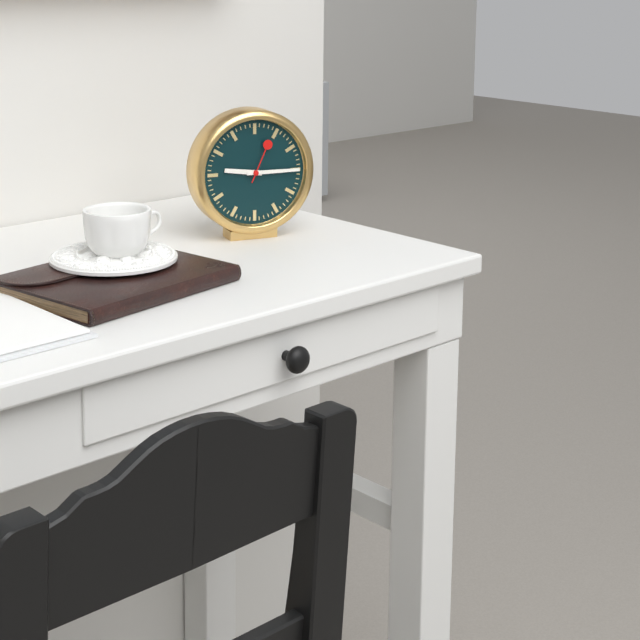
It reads 9h15
